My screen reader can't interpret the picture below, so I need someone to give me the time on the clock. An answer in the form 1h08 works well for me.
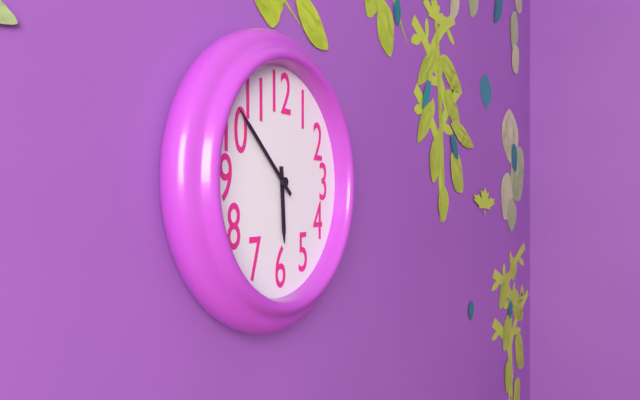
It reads 5h52
